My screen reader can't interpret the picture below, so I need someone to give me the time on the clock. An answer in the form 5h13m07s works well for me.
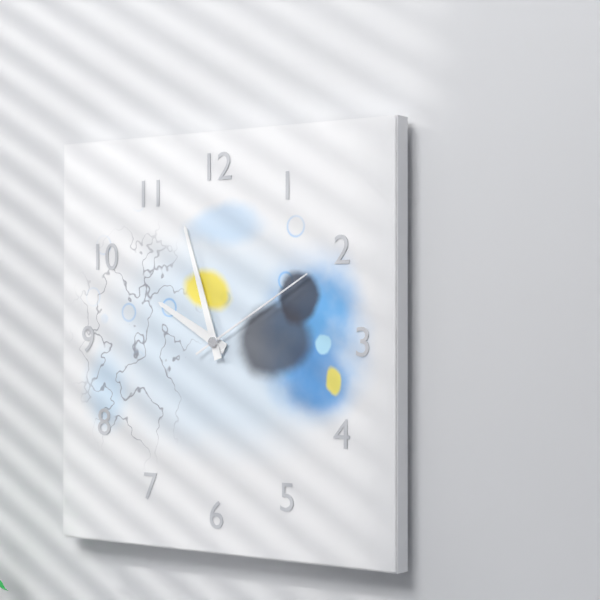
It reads 9h57m10s
